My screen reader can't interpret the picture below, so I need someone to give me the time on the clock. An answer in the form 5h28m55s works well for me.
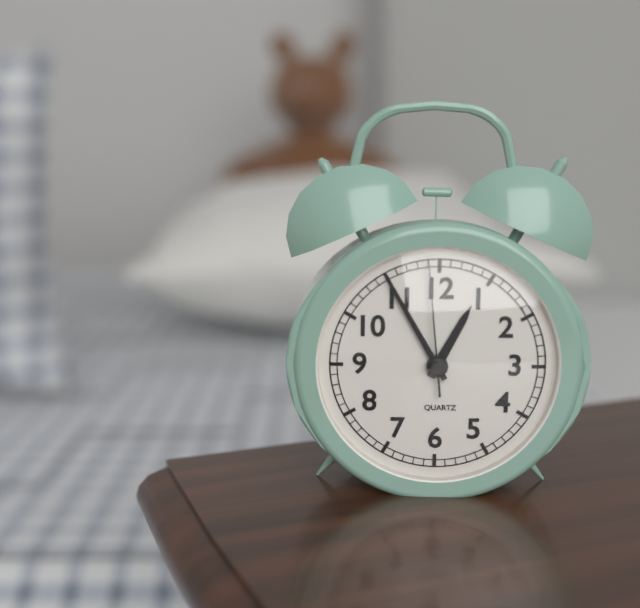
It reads 12h55m59s
